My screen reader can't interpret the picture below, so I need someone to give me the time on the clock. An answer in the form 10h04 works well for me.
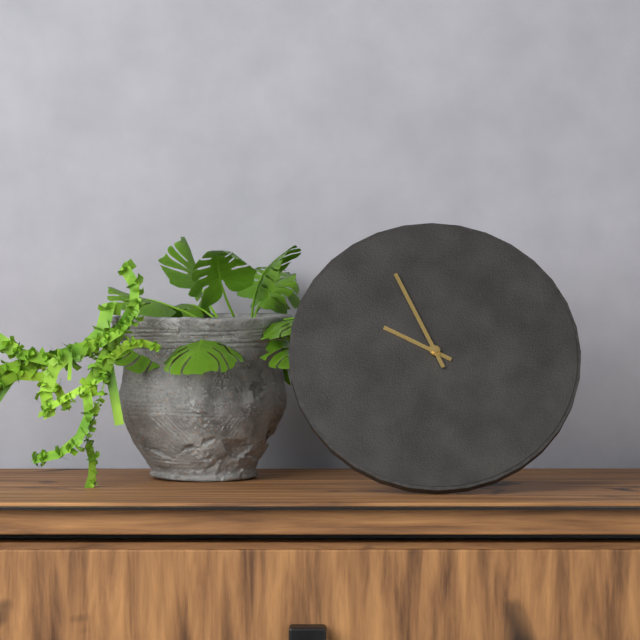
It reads 9h56
